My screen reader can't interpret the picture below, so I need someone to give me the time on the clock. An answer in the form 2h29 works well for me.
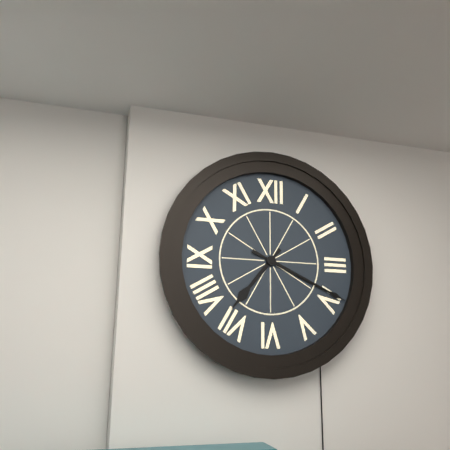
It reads 7h19
